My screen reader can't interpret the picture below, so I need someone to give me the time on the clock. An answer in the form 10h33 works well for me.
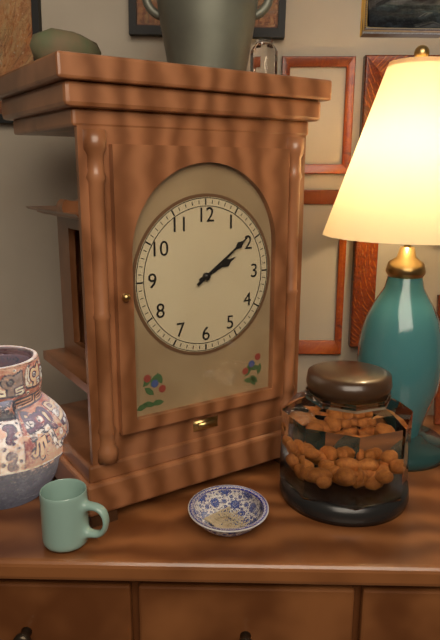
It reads 2h09
